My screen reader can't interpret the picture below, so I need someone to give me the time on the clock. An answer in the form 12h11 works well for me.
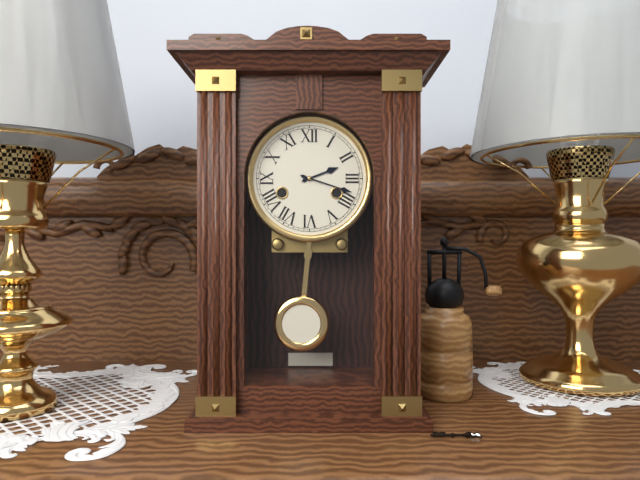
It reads 2h18
